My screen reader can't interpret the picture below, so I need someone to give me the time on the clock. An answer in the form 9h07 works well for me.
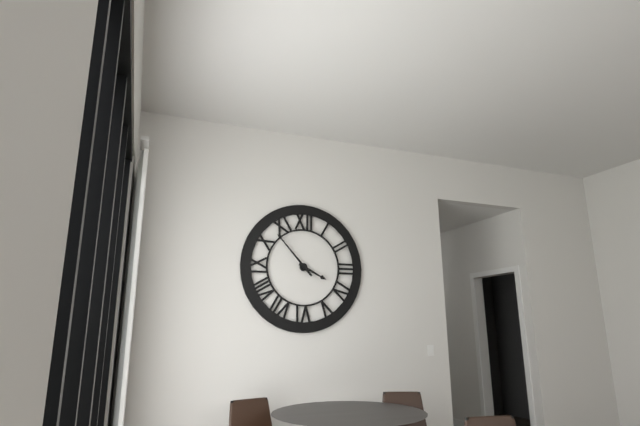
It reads 3h53
